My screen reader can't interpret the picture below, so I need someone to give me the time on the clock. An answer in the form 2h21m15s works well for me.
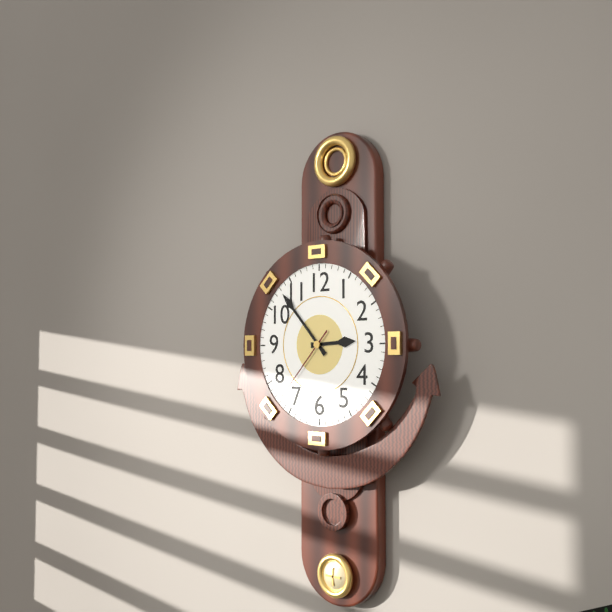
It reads 2h53m37s
